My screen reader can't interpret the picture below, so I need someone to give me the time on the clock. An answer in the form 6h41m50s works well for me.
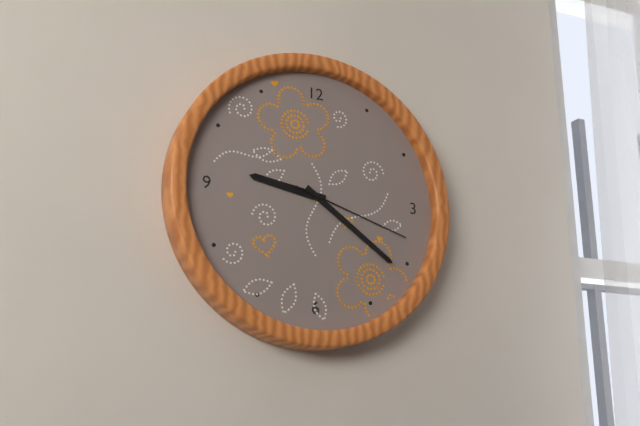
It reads 9h21m18s
